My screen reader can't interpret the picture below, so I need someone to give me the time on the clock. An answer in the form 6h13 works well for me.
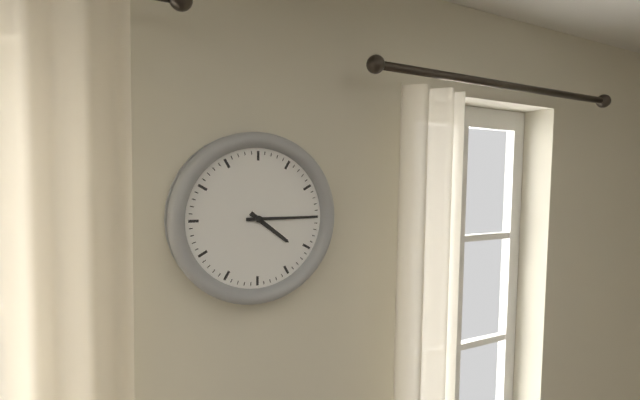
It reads 4h15
